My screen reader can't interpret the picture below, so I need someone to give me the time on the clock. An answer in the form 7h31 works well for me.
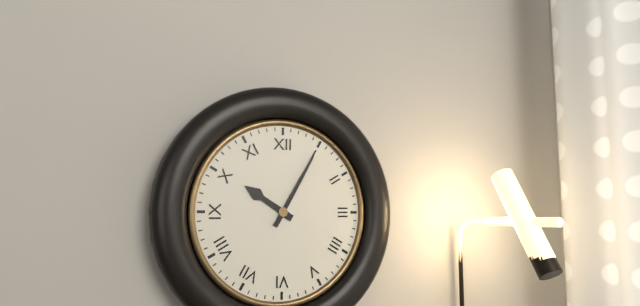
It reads 10h05
